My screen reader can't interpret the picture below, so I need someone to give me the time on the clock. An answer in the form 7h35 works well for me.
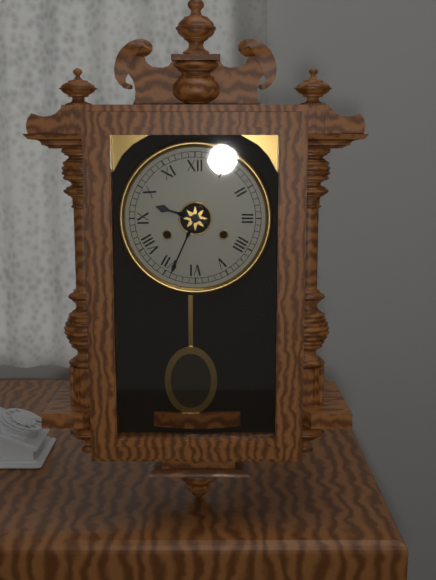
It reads 9h34
